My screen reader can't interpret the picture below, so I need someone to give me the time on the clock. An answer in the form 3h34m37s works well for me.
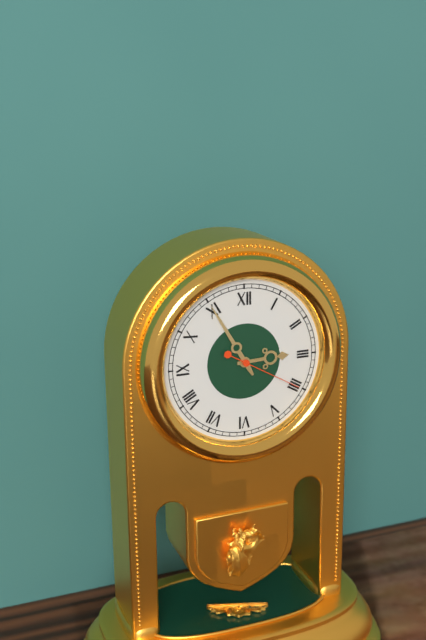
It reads 2h55m20s
